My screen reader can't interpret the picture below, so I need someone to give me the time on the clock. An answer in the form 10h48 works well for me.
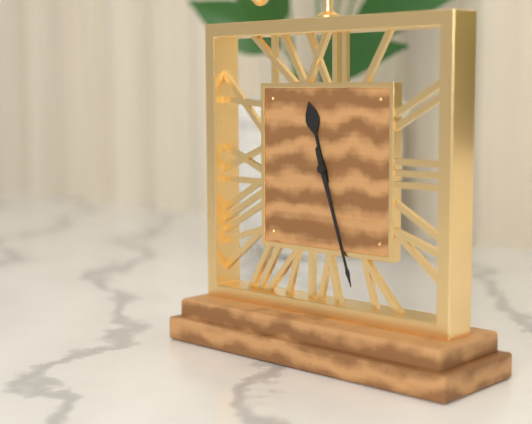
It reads 11h27
